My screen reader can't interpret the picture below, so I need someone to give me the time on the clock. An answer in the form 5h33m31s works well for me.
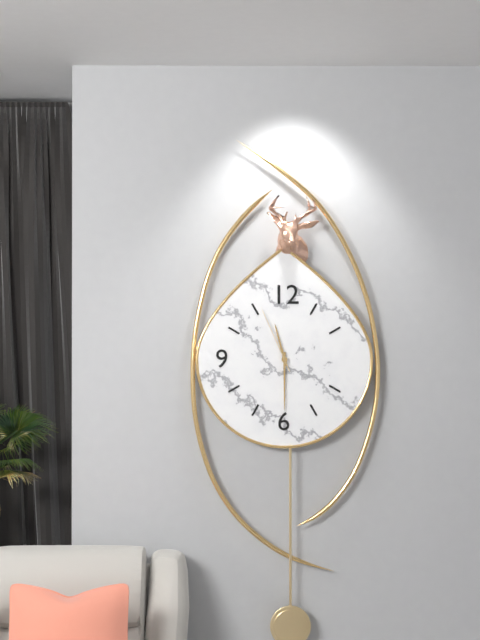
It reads 11h30m56s
